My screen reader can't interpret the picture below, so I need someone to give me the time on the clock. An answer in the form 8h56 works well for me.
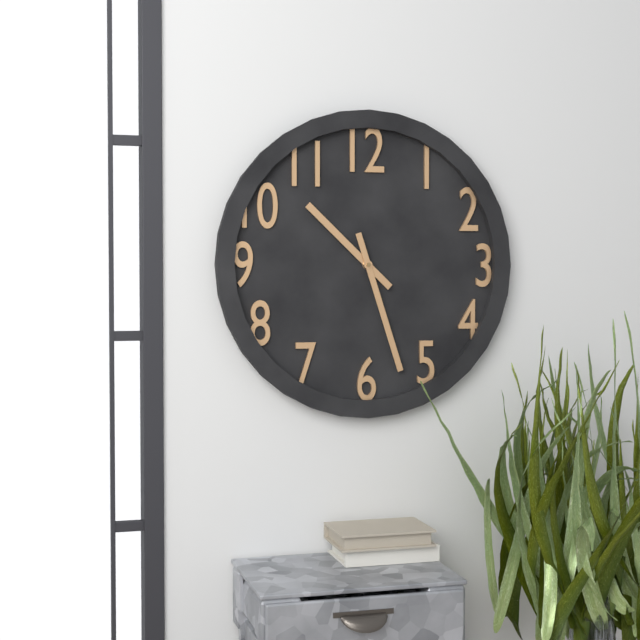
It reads 10h27
